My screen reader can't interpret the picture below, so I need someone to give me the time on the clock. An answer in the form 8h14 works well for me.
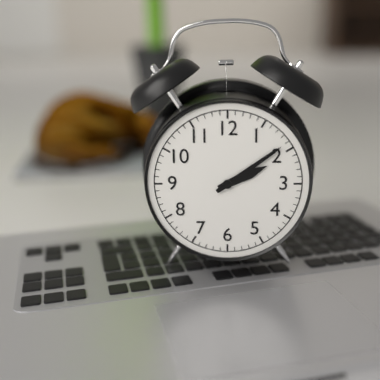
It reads 2h09
